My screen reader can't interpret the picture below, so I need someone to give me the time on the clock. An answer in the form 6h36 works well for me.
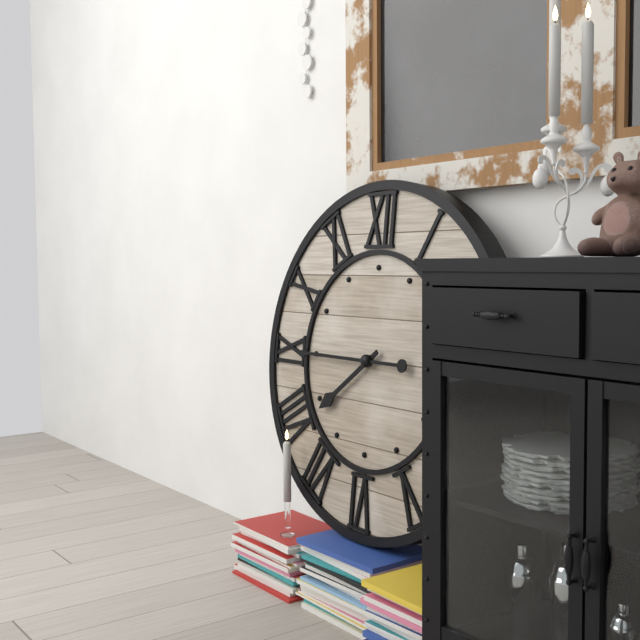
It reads 7h45
